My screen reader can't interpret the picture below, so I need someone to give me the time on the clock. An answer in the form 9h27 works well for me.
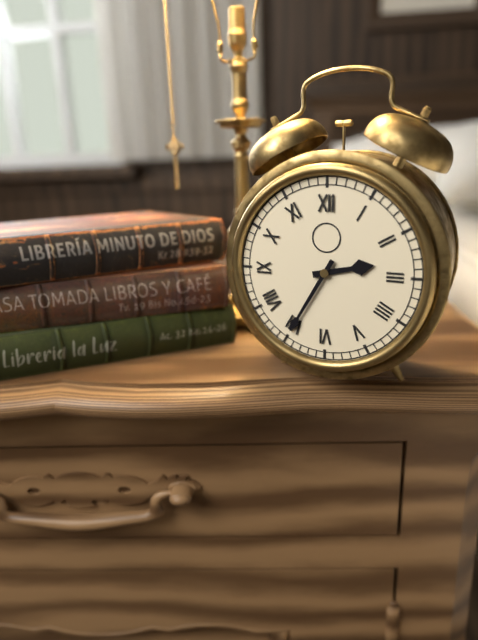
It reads 2h35
